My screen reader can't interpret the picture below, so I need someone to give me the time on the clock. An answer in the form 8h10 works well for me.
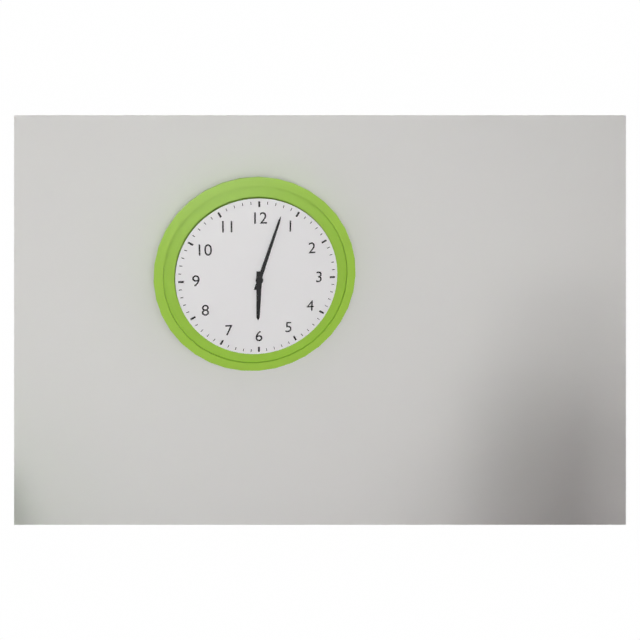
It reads 6h03
